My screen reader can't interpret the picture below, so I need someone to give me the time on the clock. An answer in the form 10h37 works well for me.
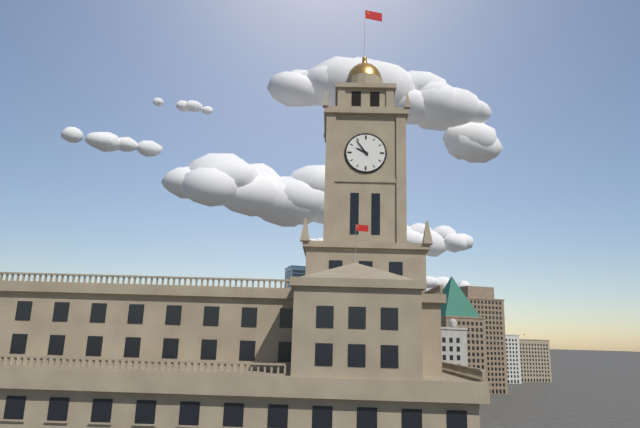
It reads 9h54
